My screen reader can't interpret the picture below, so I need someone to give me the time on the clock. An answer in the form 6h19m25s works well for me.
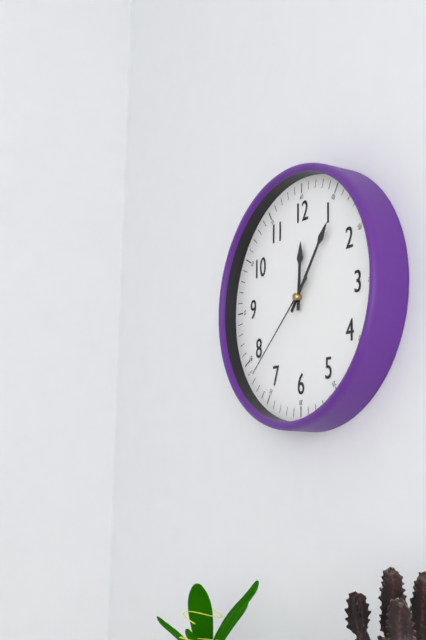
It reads 12h06m38s
